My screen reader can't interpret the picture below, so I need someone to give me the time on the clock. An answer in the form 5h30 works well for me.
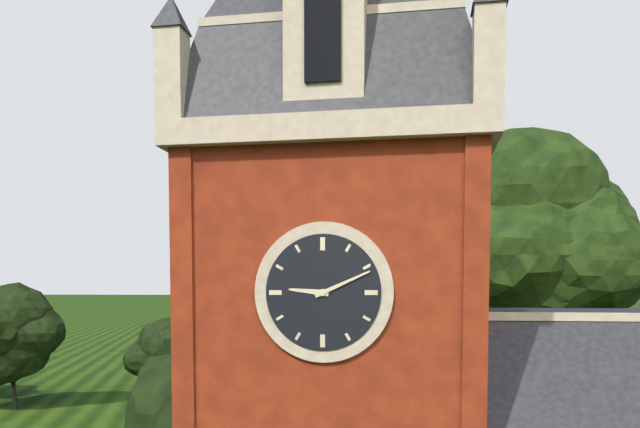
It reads 9h11
